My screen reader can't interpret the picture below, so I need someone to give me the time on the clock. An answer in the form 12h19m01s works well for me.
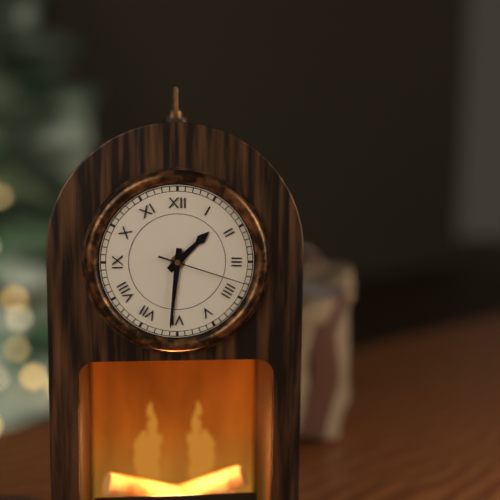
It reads 1h31m18s
